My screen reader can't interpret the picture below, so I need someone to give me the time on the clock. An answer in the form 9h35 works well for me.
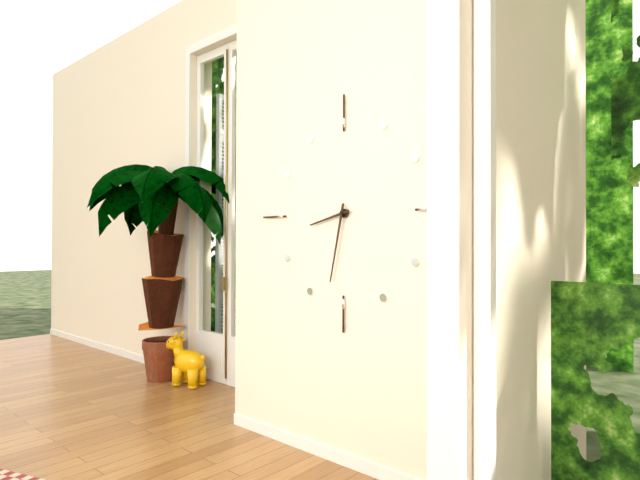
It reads 8h32
